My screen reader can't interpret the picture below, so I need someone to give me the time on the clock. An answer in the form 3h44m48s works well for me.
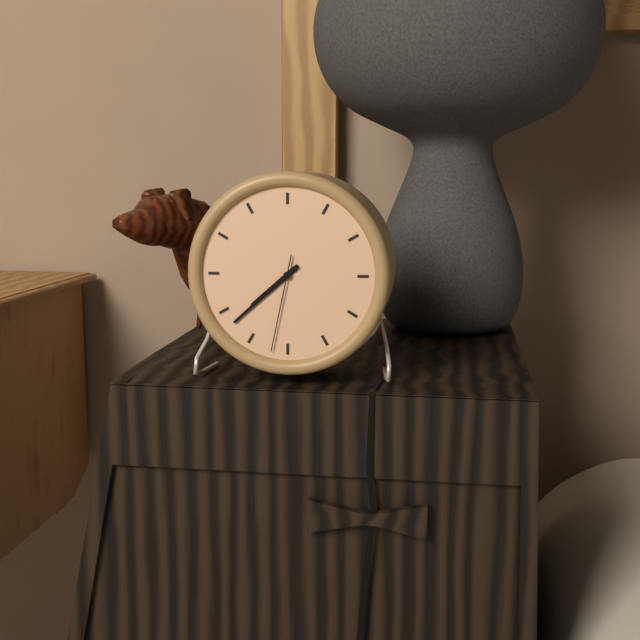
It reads 7h38m32s
